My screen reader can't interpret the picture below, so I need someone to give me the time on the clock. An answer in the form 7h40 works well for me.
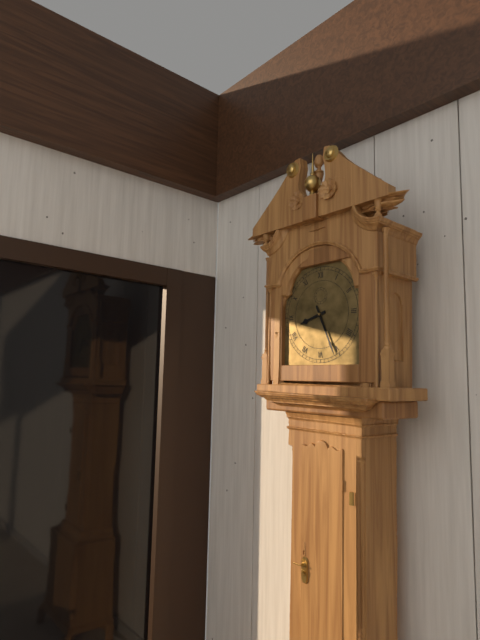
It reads 8h26
